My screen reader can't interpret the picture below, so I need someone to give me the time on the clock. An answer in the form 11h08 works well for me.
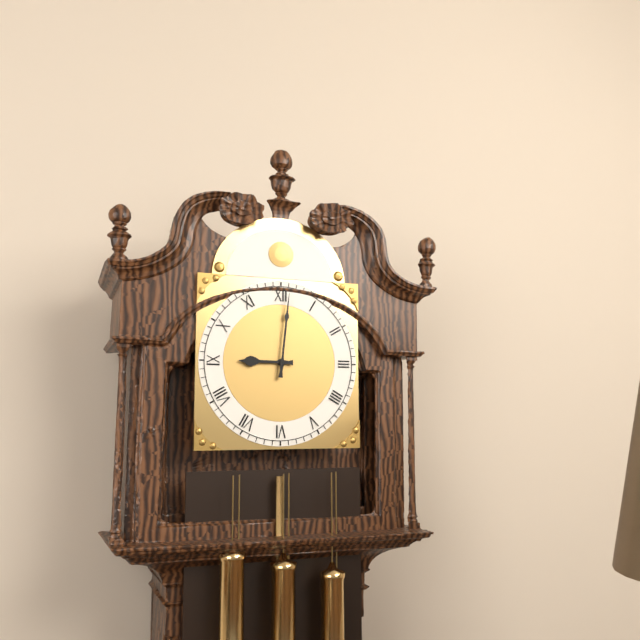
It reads 9h01
